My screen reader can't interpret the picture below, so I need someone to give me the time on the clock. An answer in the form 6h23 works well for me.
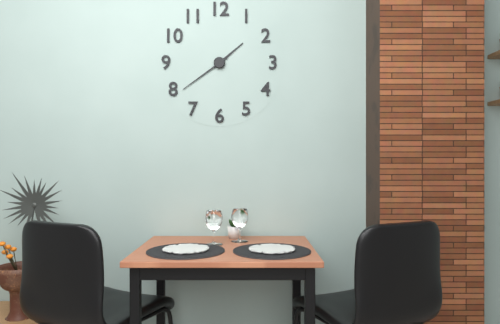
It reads 1h39
